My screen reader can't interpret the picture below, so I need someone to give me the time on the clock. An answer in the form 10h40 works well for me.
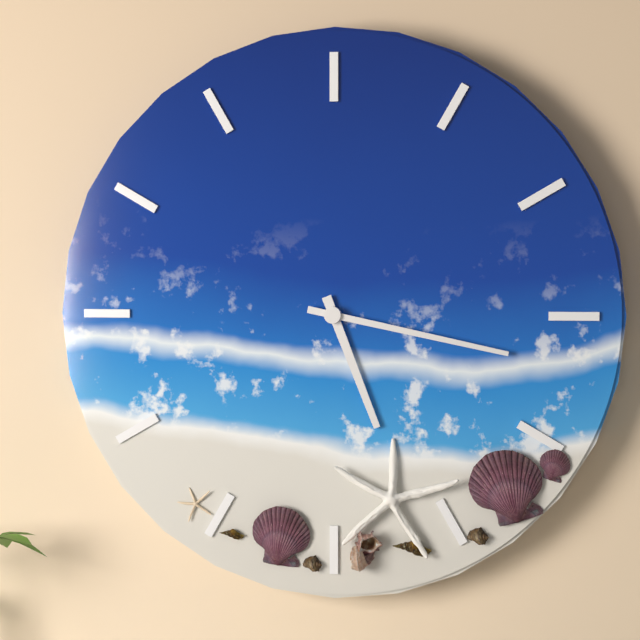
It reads 5h17
